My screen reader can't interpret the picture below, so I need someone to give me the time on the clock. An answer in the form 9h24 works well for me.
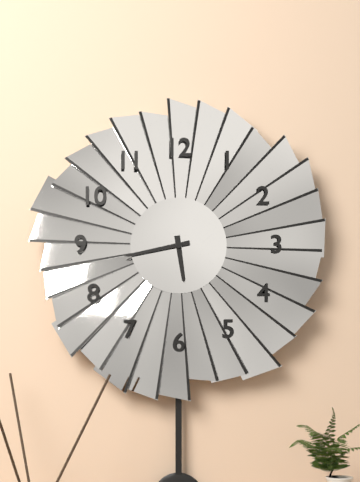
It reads 5h43
